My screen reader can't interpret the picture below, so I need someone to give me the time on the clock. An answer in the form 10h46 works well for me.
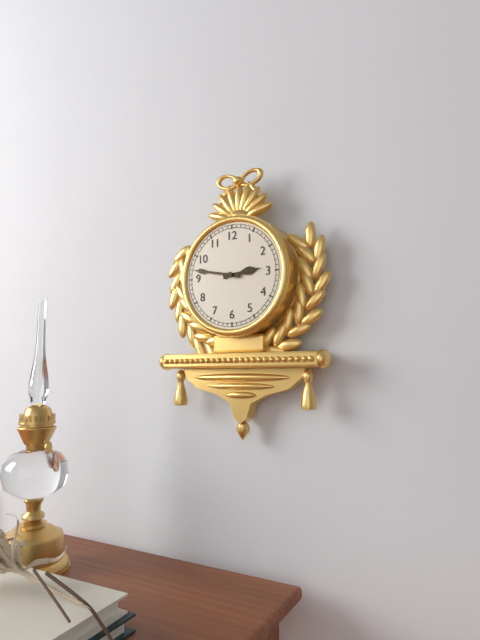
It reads 2h47
